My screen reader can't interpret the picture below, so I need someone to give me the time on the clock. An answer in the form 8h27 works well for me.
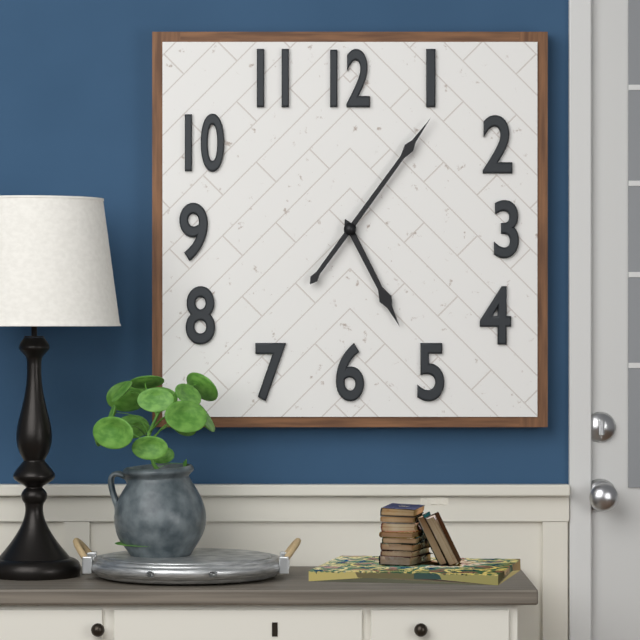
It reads 5h06
